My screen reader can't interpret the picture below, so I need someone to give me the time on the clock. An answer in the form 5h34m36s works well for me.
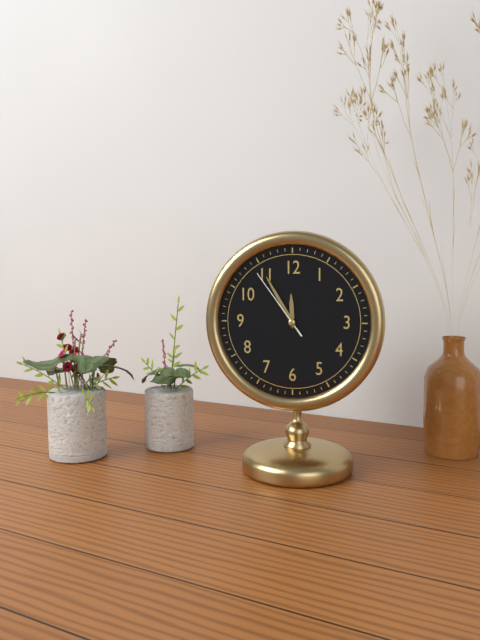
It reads 11h55m54s
